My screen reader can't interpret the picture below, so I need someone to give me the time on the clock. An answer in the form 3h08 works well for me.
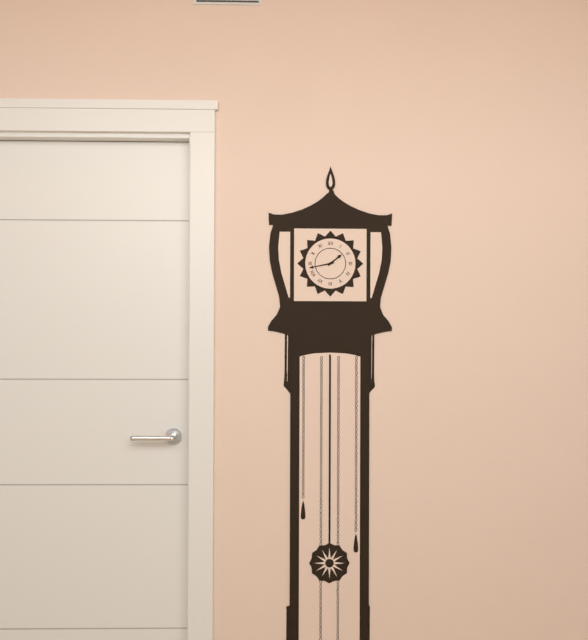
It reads 1h43
